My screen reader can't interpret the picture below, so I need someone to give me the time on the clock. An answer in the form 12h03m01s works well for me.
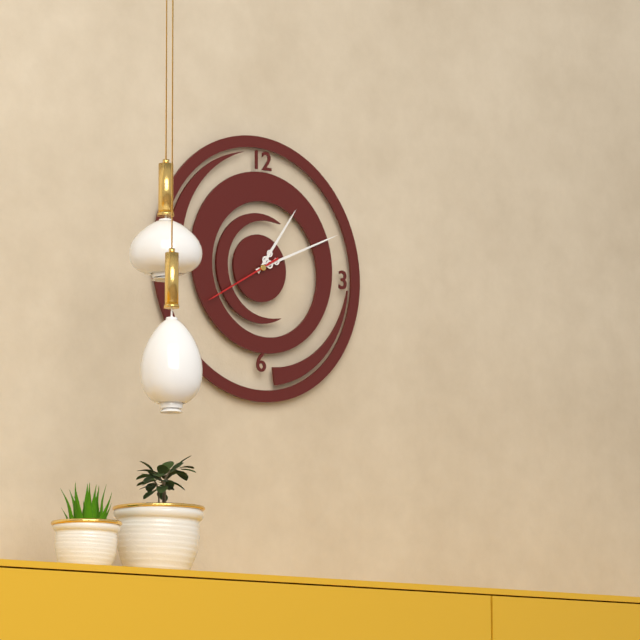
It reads 1h11m40s
